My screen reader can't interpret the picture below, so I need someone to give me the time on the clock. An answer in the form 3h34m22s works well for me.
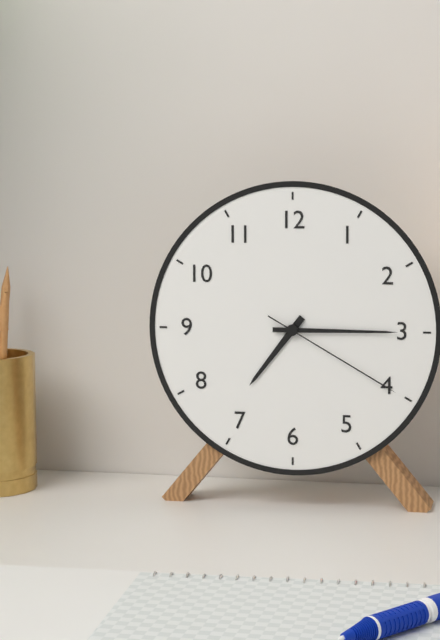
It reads 7h15m20s
